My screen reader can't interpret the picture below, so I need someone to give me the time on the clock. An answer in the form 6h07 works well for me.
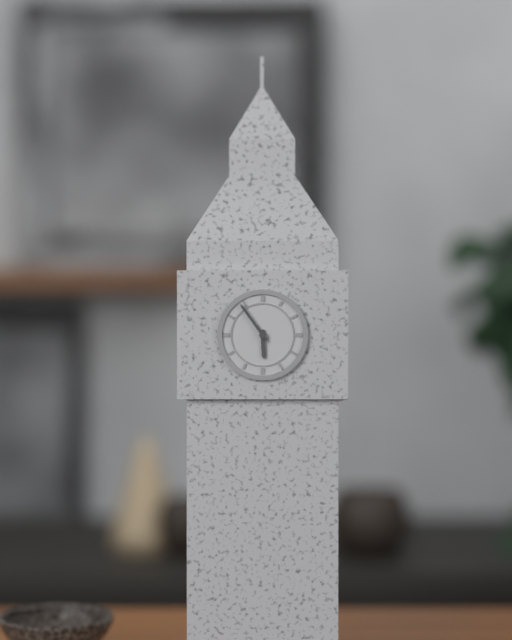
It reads 5h54
